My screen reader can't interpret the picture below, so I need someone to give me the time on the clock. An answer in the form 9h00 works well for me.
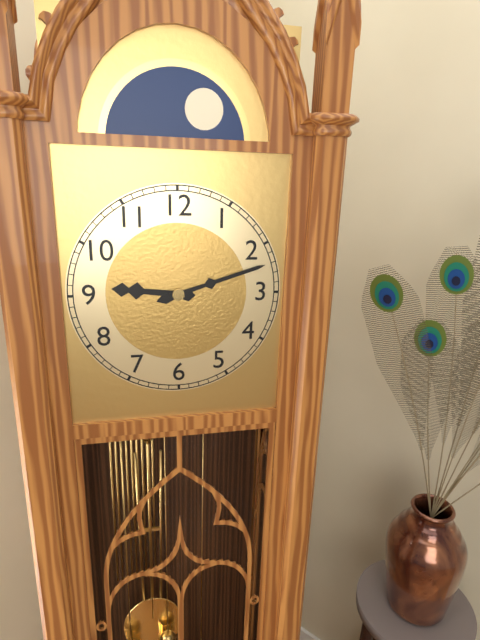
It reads 9h12
